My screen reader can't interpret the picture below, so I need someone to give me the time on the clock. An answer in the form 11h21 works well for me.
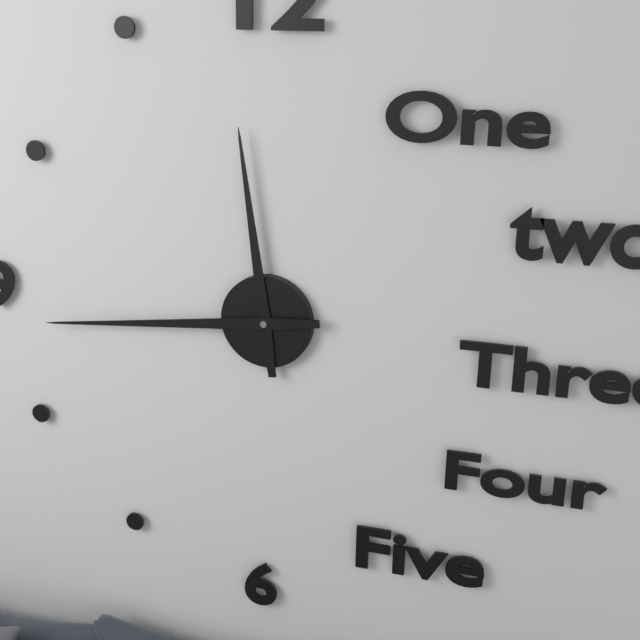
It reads 11h44
